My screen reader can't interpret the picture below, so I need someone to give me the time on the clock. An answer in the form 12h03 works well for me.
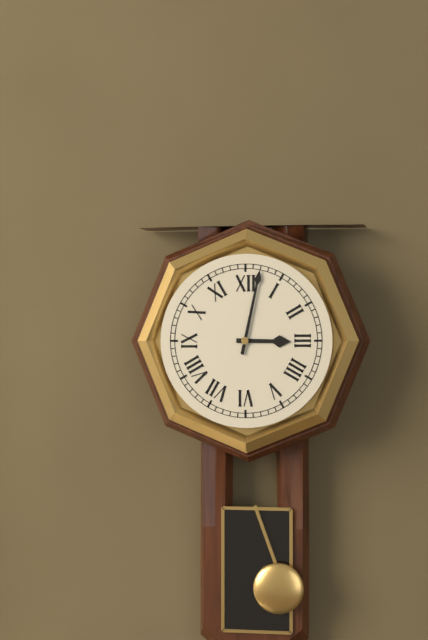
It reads 3h02
